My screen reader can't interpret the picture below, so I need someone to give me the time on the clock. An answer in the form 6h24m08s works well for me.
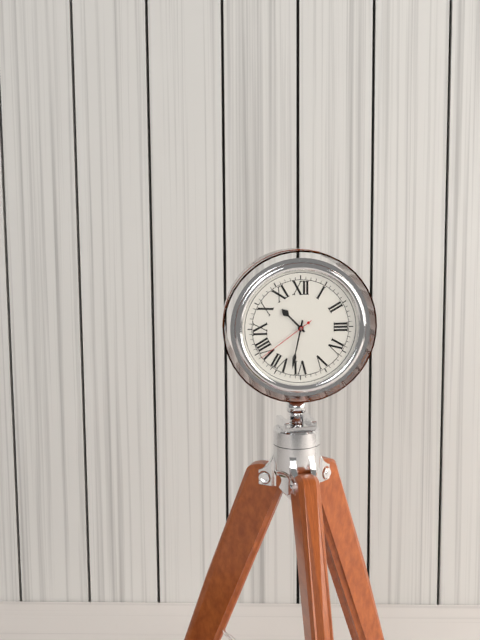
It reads 10h32m39s
